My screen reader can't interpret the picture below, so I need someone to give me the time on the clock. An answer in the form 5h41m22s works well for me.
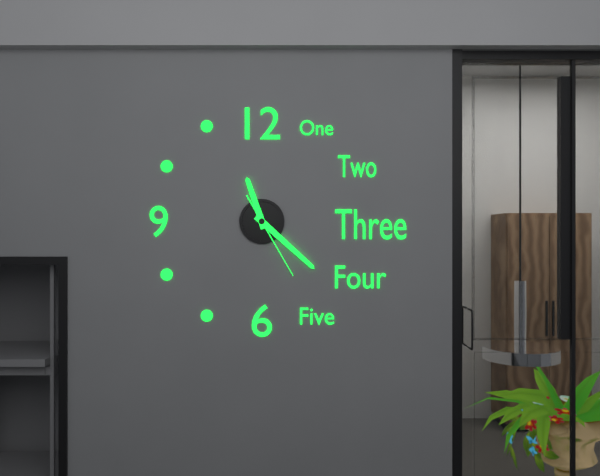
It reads 11h22m25s
